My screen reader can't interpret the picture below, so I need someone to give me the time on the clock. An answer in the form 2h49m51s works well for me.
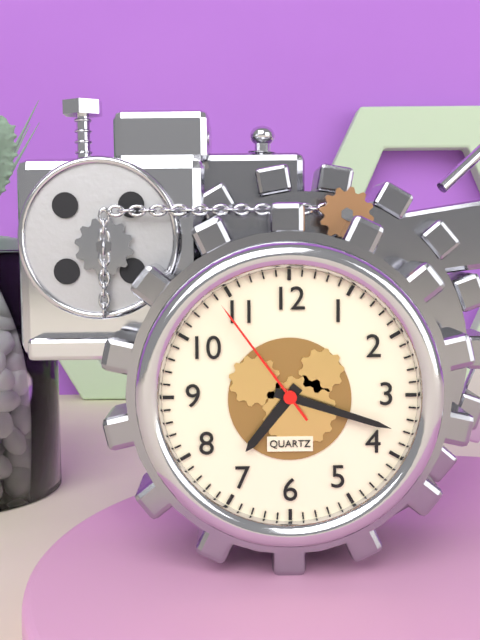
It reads 7h18m54s
